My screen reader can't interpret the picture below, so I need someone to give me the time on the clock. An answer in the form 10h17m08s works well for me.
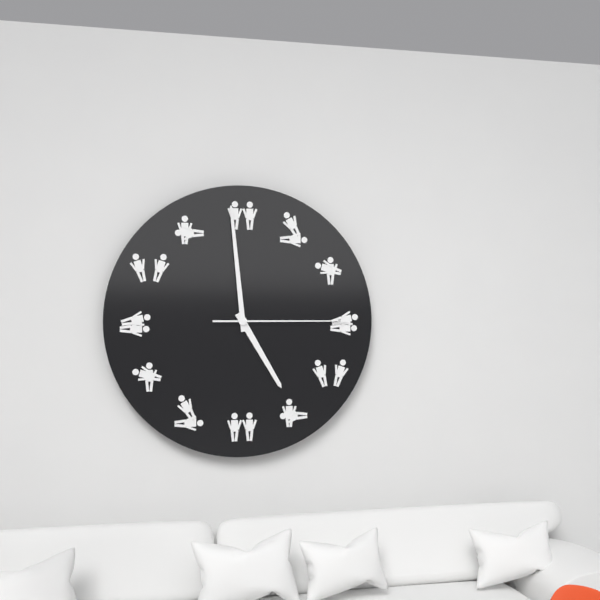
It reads 4h59m15s
